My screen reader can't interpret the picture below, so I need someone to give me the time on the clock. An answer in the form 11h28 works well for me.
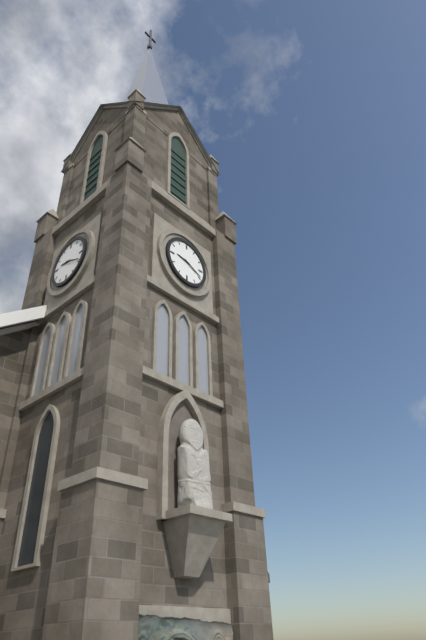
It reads 9h19
